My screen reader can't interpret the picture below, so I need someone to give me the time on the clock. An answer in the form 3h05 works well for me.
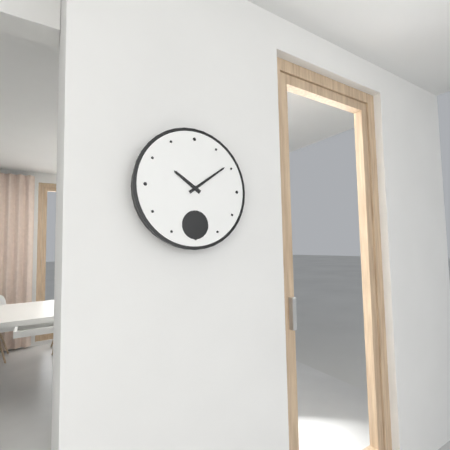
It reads 10h09
